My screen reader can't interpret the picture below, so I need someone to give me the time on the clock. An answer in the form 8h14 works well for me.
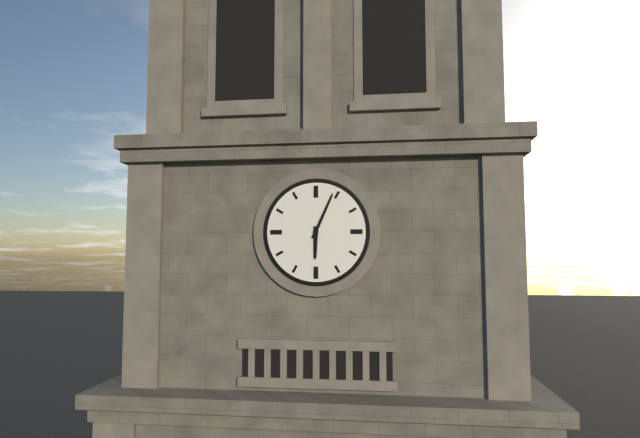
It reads 6h04
